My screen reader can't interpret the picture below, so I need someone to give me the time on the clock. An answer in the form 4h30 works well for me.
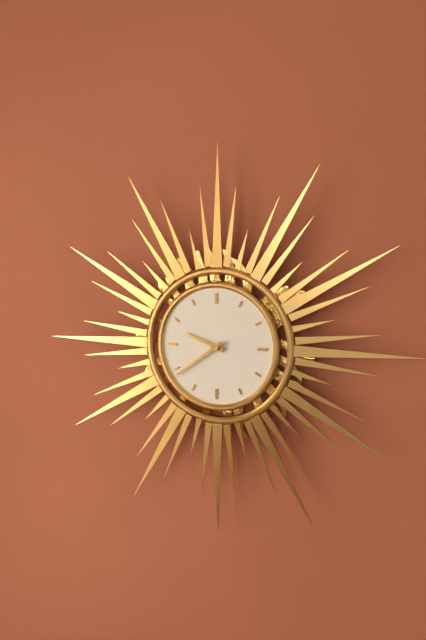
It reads 9h39
